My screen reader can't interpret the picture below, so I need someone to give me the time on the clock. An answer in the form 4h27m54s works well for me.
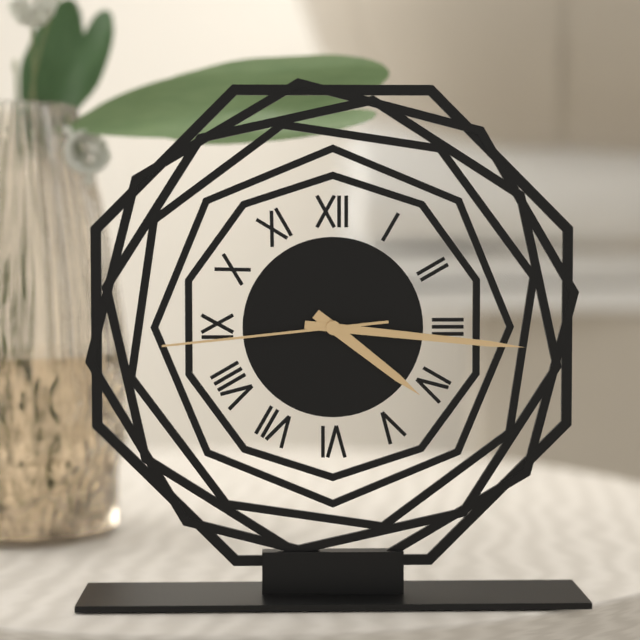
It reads 4h16m44s
